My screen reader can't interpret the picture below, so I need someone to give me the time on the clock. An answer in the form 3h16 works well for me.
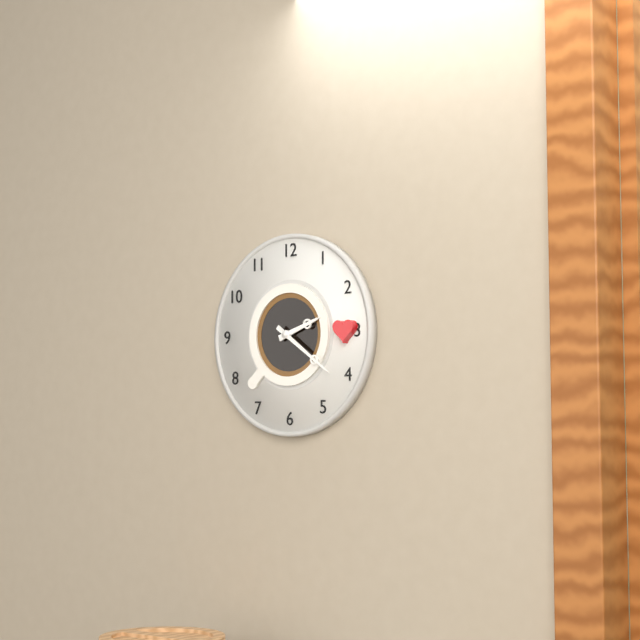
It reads 2h21
